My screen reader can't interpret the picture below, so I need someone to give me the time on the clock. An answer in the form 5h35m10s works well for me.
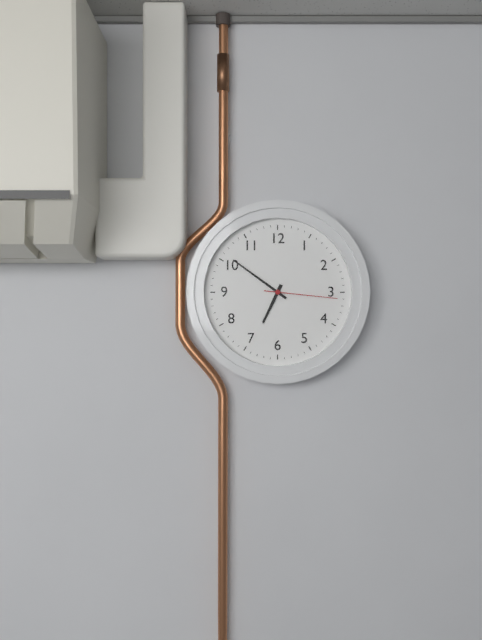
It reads 6h51m16s
